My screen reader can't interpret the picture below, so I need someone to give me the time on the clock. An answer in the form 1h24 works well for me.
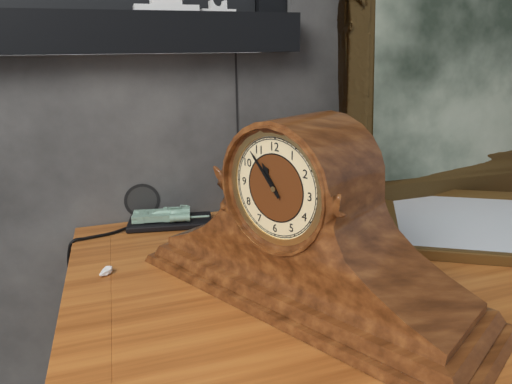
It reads 10h53
